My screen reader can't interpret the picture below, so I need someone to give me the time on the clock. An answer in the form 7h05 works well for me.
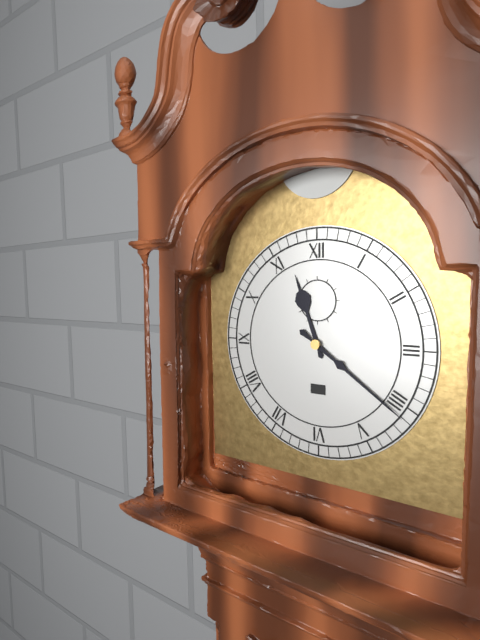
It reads 11h21
